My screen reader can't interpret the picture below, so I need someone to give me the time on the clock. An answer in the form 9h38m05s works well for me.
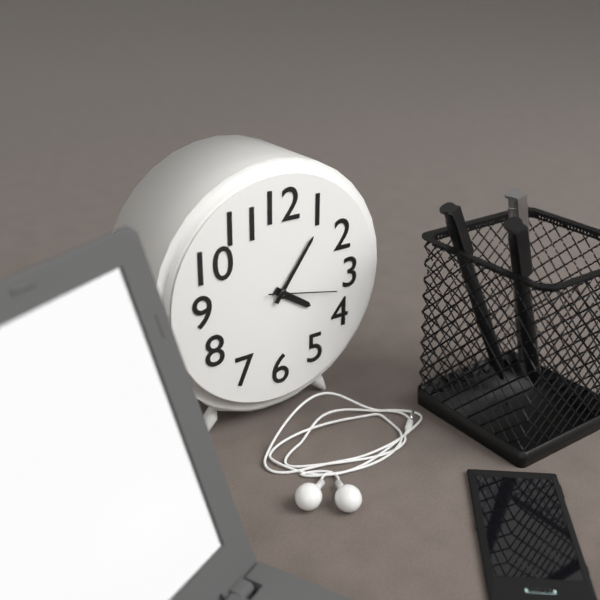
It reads 4h06m17s
